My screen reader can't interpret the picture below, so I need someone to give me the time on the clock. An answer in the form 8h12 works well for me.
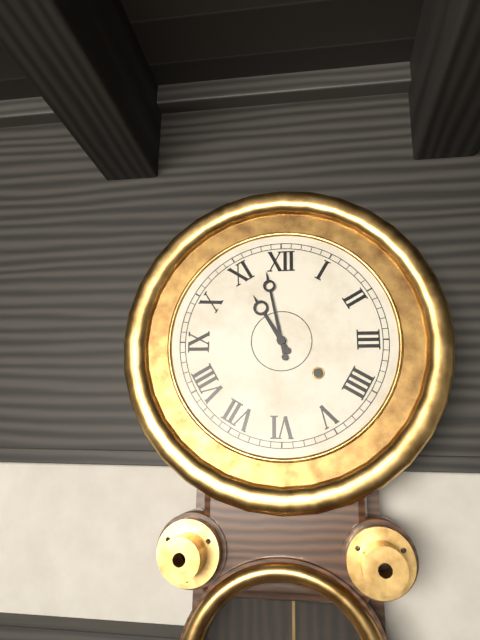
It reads 10h58
